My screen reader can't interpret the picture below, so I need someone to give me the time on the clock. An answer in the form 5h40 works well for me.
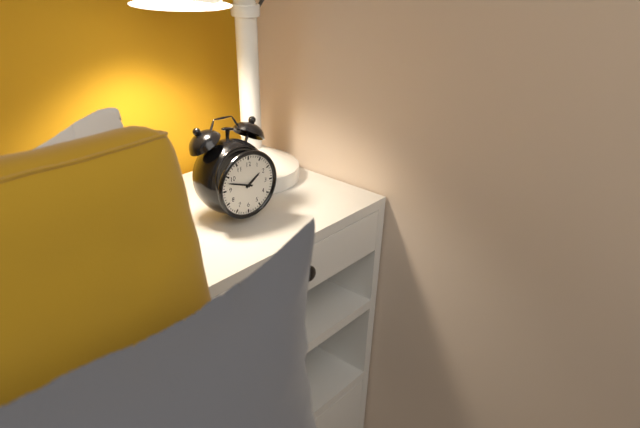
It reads 1h48
